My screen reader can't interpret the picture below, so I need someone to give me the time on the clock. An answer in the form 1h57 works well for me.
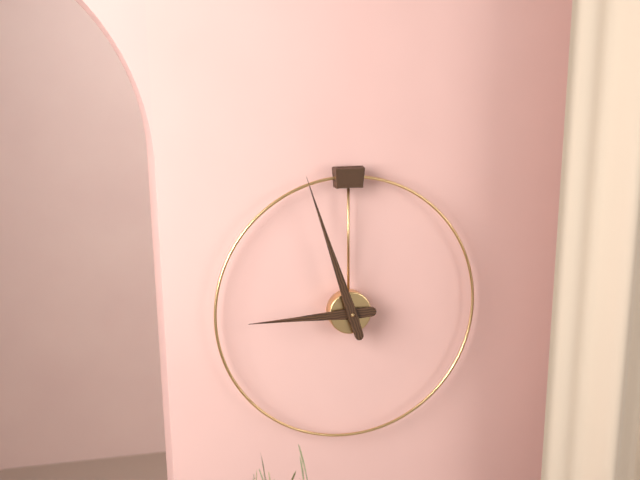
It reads 8h57
